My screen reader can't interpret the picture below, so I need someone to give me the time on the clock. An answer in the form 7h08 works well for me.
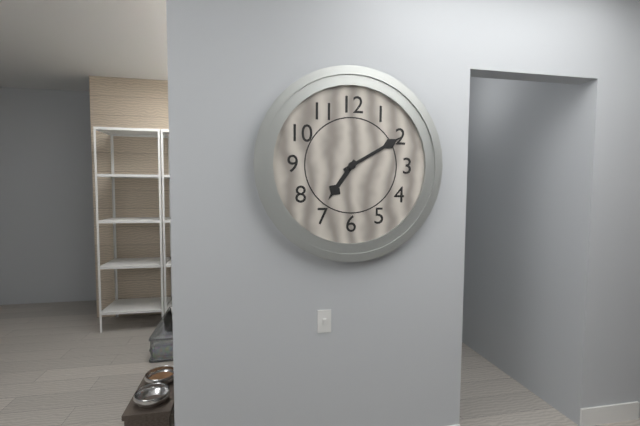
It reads 7h10
